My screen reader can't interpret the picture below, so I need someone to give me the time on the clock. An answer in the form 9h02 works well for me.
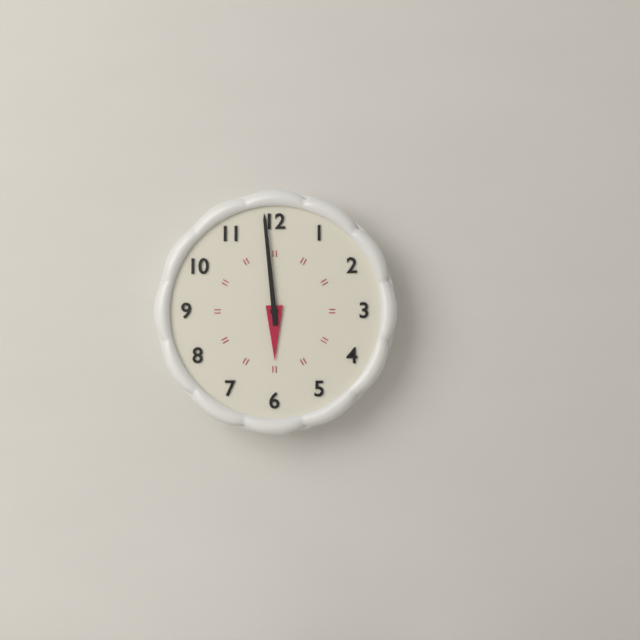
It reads 5h59
